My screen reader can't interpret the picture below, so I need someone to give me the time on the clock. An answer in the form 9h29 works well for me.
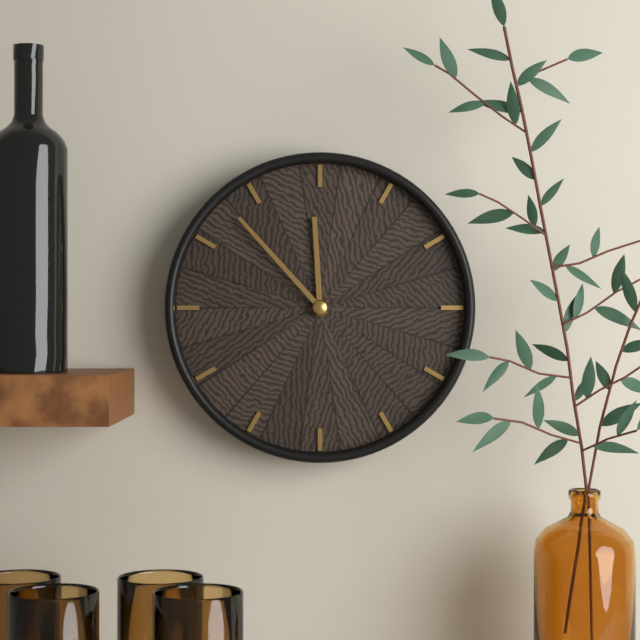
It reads 11h53
